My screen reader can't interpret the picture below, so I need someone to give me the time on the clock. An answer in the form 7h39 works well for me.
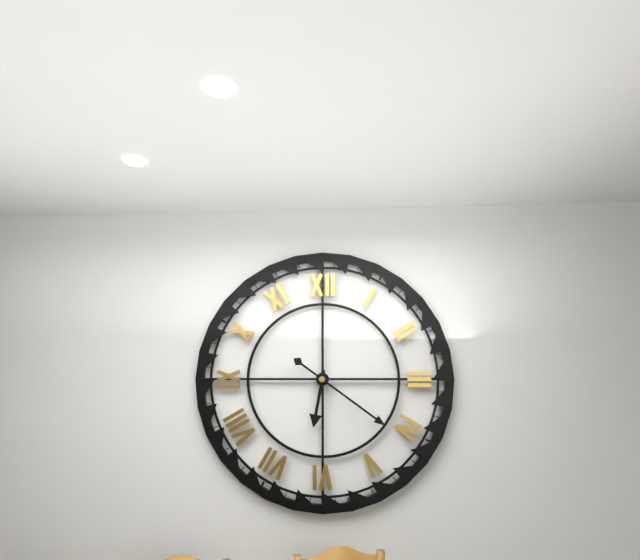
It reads 6h21
